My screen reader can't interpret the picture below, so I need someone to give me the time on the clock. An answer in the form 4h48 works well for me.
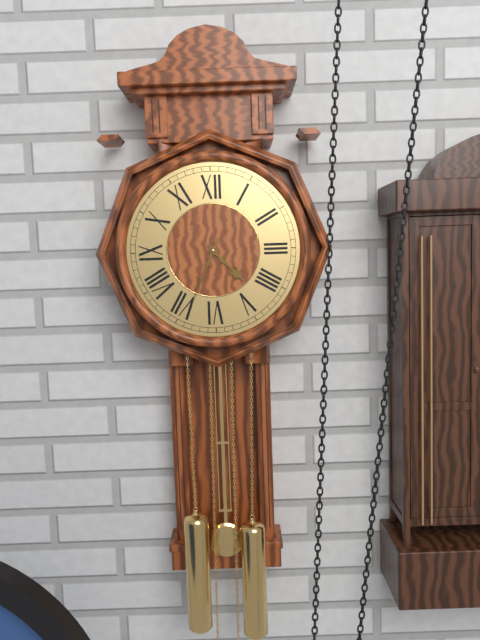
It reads 4h34
